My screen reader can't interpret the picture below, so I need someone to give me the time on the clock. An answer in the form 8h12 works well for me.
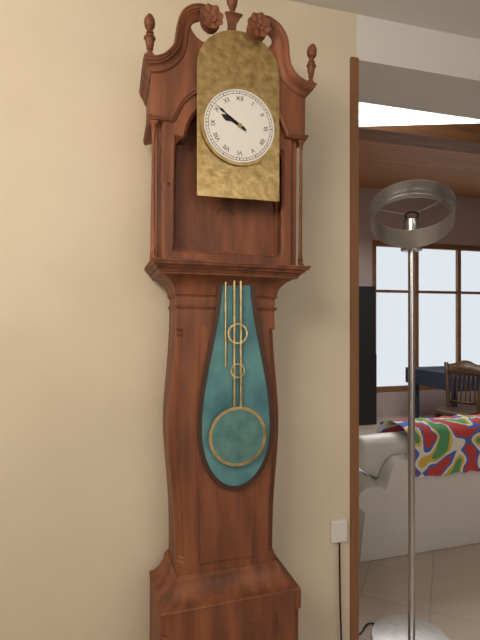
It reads 9h51
